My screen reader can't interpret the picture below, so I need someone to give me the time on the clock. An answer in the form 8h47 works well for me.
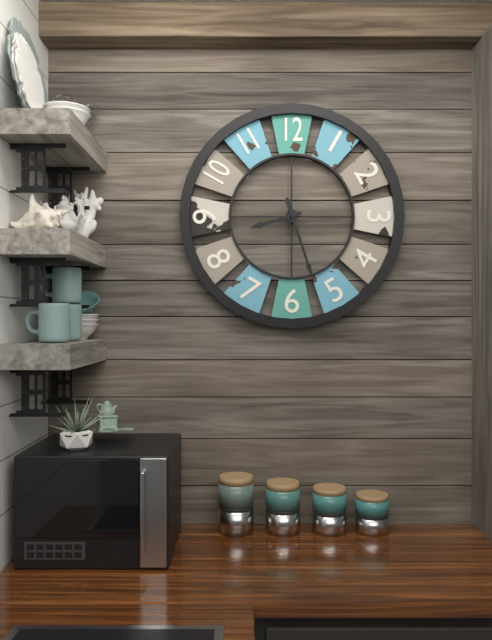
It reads 8h27
